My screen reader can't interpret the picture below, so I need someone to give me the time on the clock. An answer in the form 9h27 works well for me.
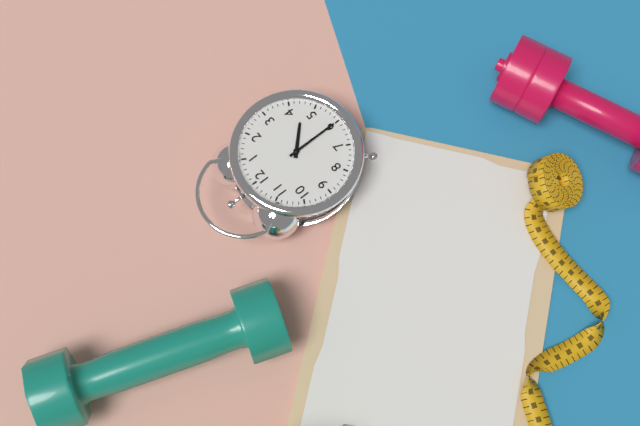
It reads 4h30
